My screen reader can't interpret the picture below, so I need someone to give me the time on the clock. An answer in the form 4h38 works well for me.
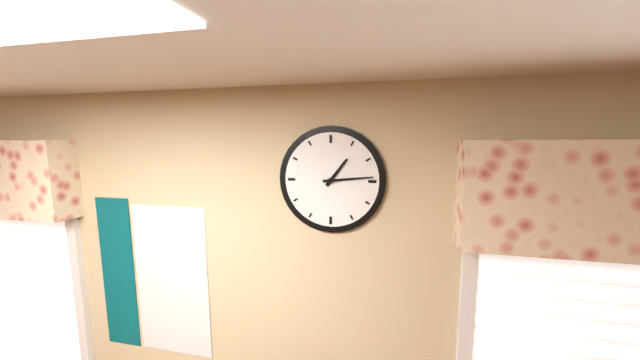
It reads 1h14
